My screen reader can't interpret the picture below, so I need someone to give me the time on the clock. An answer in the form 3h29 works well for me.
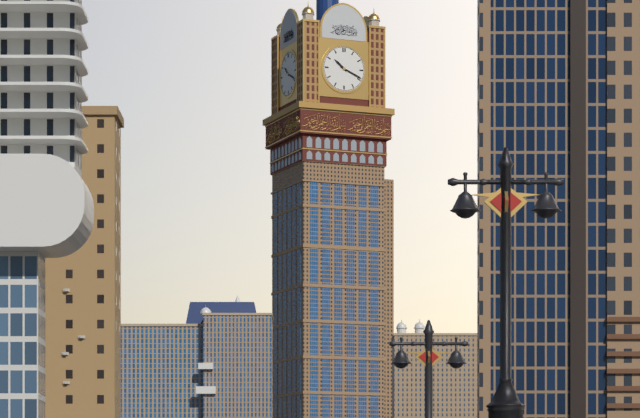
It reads 10h19
